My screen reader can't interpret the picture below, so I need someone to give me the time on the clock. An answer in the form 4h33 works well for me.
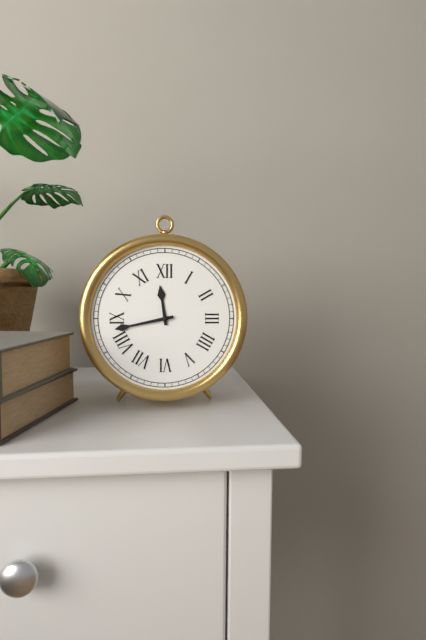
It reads 11h43
